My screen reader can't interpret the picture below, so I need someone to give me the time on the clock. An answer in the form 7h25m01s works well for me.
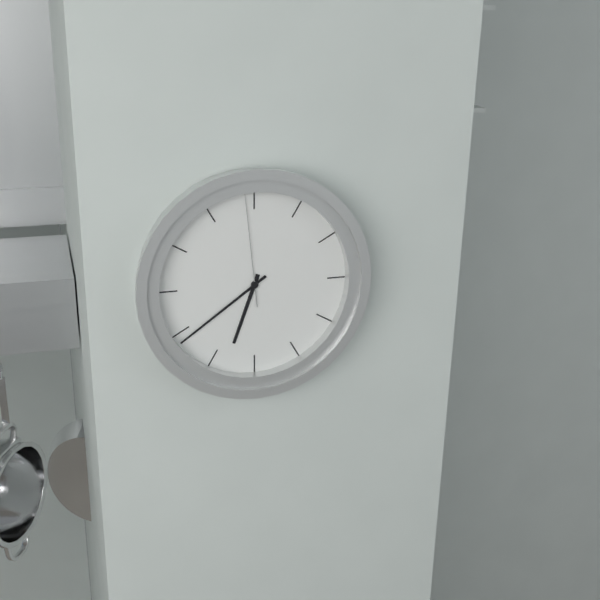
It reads 6h39m59s
